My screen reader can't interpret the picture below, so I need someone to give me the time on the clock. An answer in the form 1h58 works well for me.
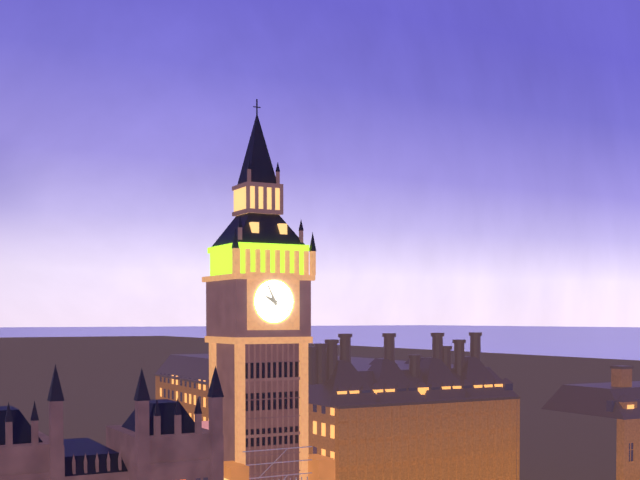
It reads 9h56
